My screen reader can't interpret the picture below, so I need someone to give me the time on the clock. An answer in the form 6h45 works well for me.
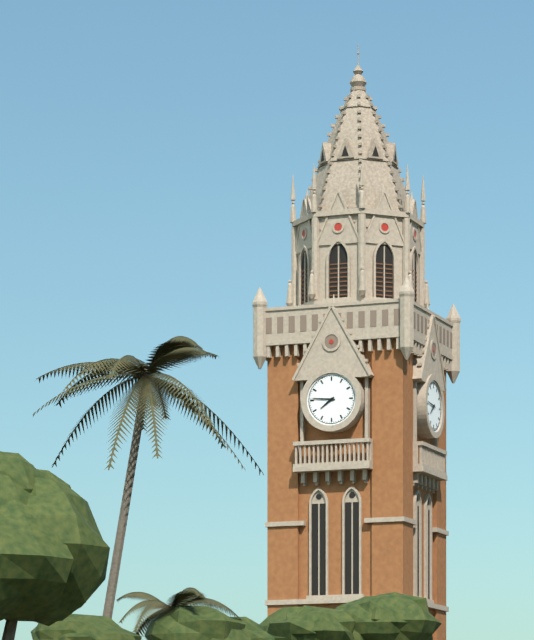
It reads 7h46
